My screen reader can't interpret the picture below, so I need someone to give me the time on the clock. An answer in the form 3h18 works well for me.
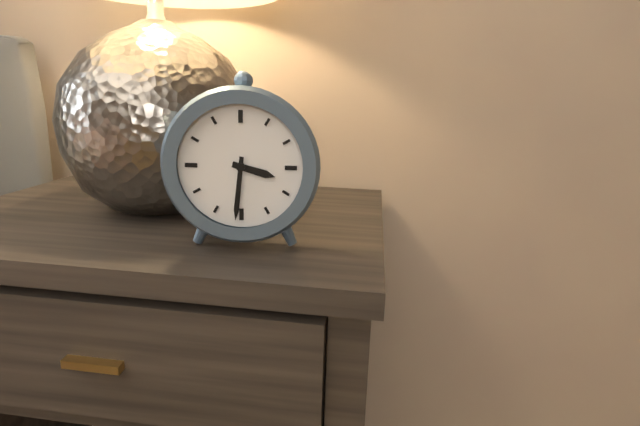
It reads 3h31
